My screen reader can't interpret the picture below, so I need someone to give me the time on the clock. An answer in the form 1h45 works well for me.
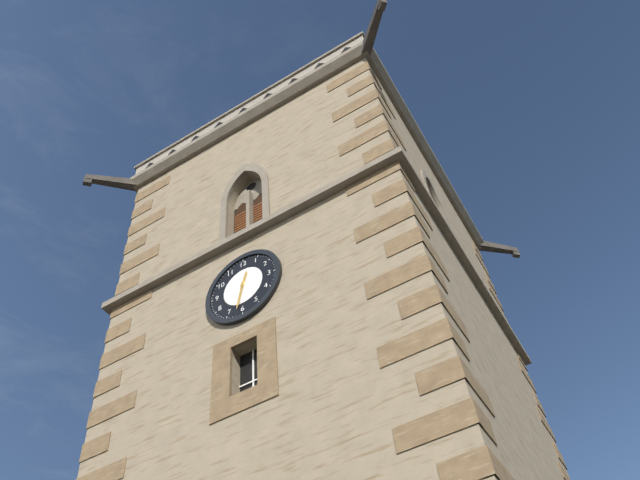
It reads 12h32
